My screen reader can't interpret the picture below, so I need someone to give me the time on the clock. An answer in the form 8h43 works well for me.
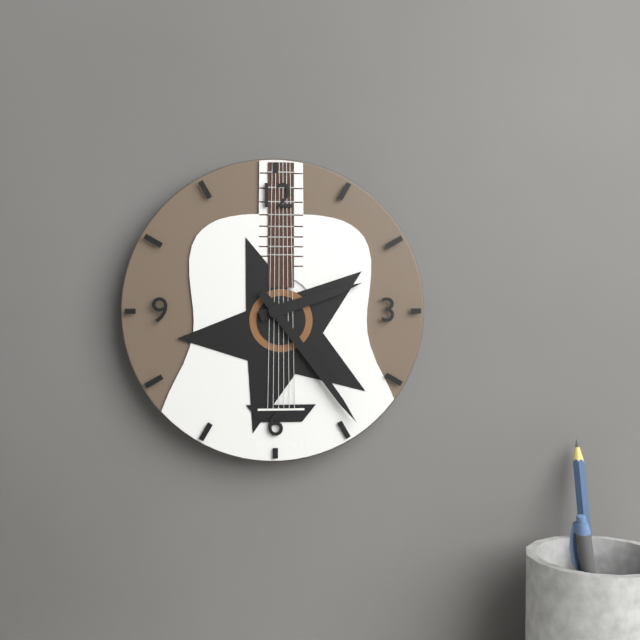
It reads 2h24
